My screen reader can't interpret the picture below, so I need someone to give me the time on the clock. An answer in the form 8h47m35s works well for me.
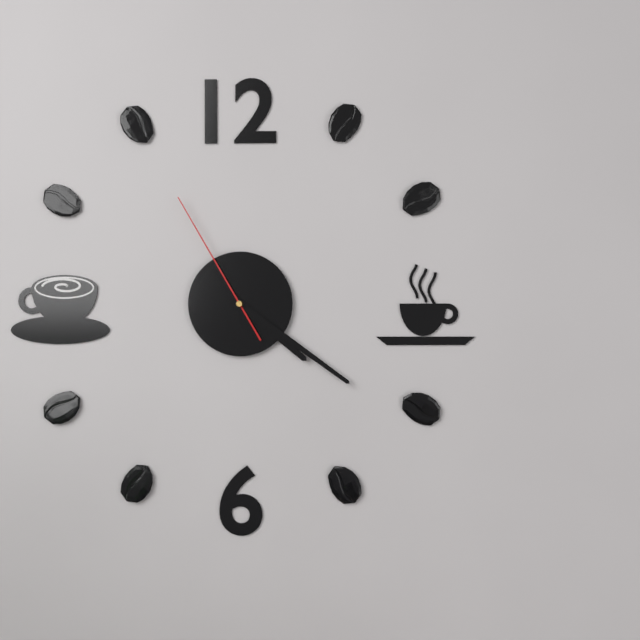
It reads 4h21m55s
